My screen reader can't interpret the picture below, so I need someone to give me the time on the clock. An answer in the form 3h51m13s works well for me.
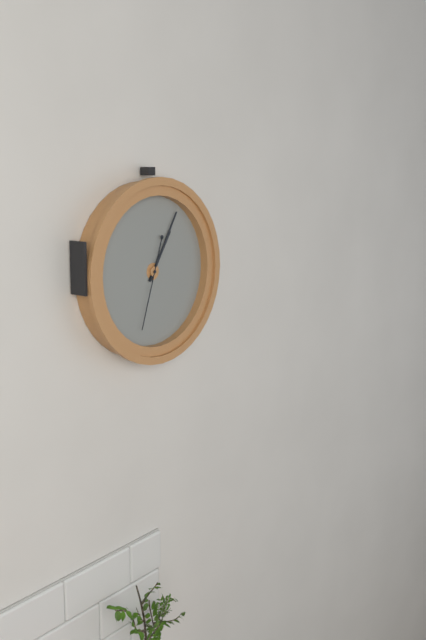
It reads 1h05m33s
